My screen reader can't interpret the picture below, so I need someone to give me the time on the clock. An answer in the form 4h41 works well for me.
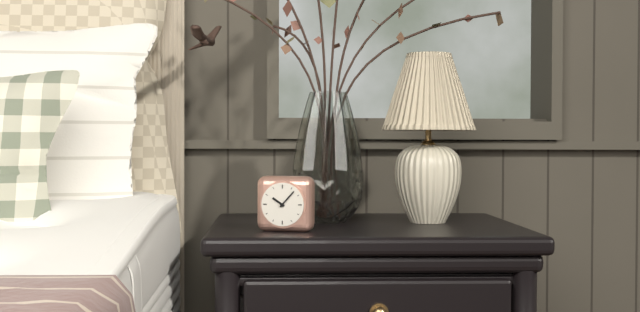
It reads 10h07
